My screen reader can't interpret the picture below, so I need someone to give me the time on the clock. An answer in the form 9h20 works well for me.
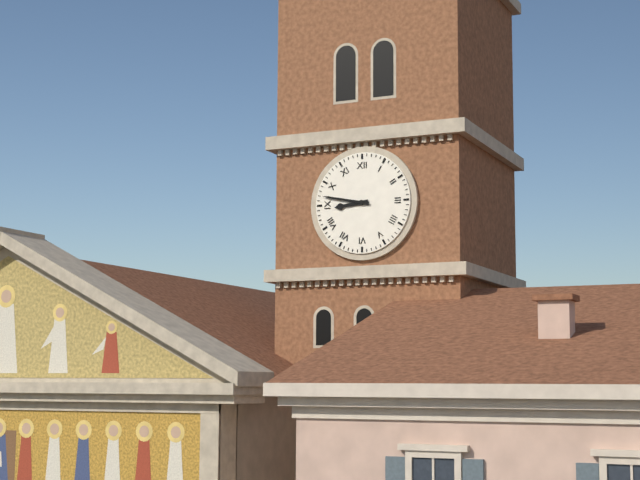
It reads 8h47
